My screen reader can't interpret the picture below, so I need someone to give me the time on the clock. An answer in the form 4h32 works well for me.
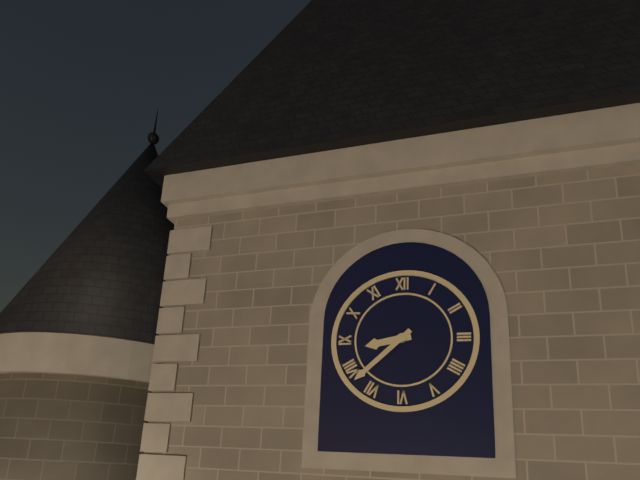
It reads 8h38
